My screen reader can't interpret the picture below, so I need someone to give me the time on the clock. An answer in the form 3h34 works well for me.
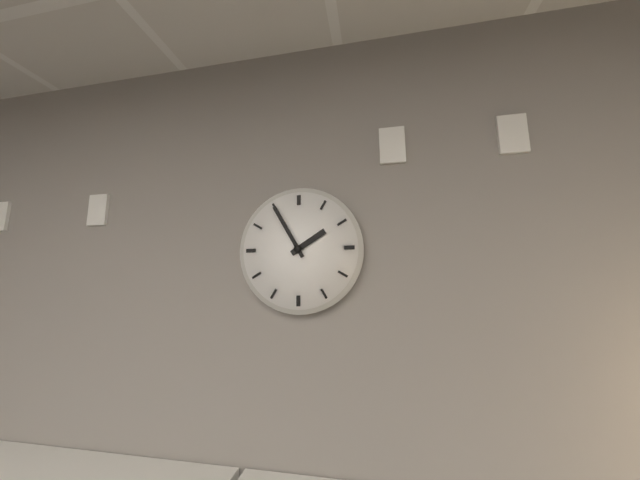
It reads 1h55
